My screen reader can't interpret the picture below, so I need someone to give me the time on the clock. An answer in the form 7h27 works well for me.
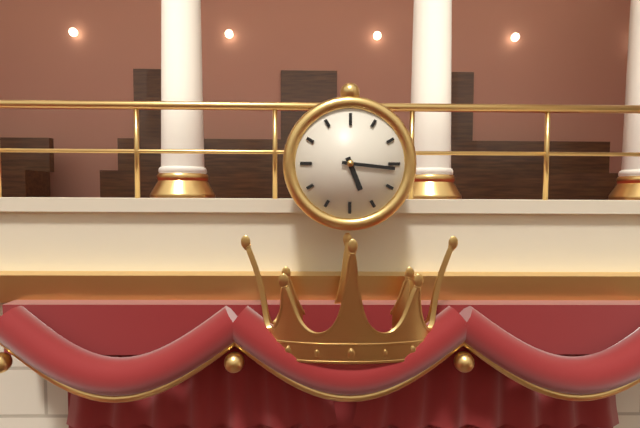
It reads 5h16
